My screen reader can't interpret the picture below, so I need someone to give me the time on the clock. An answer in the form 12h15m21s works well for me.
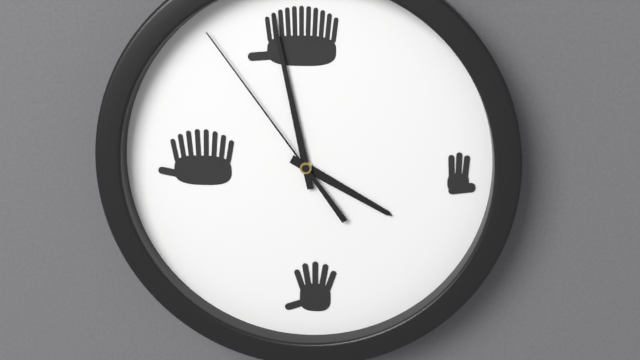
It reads 3h58m54s
